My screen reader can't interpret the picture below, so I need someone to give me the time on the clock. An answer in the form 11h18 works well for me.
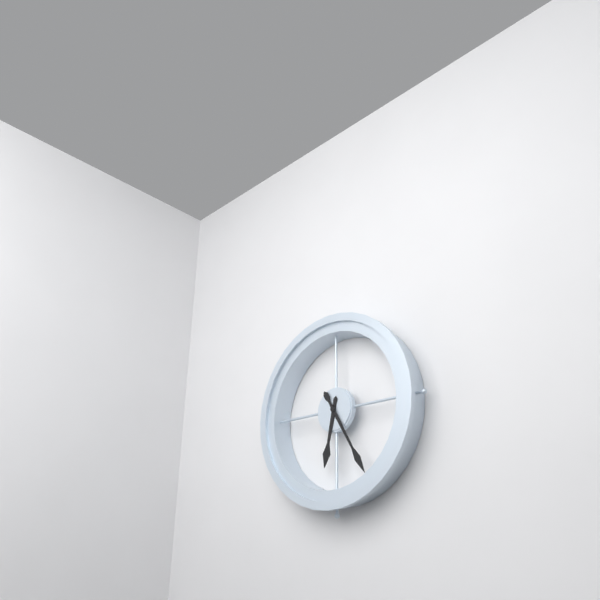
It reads 6h25
